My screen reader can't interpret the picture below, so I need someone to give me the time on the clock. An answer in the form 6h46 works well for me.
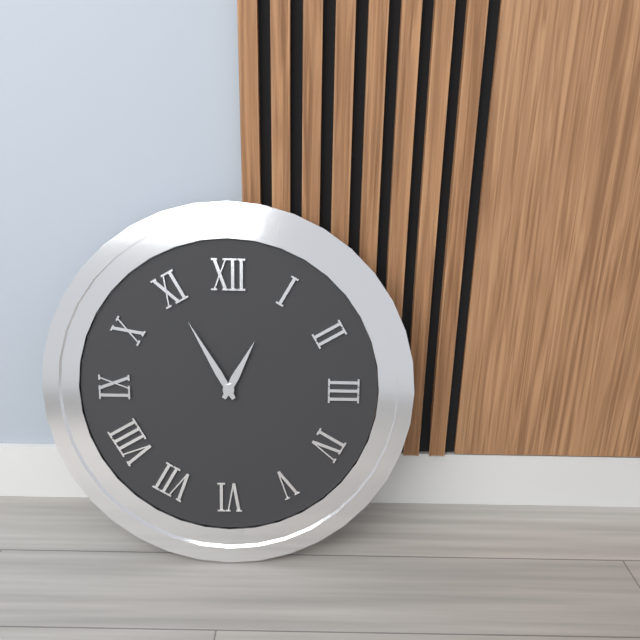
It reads 12h55
